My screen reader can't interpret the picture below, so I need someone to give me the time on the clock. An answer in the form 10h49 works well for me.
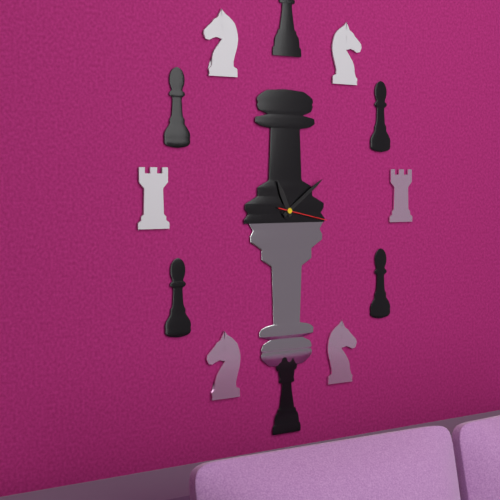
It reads 11h09
